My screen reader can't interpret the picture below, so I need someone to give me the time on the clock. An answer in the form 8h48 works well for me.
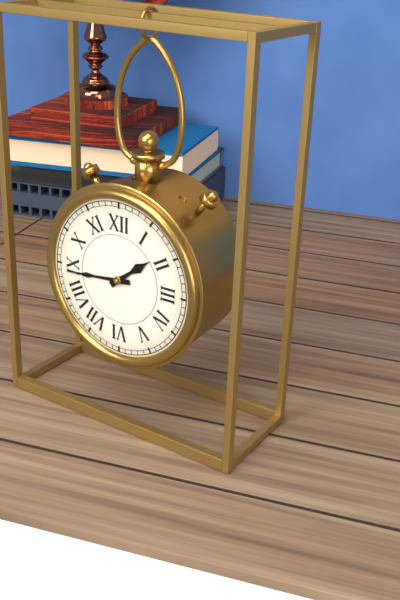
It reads 1h44
